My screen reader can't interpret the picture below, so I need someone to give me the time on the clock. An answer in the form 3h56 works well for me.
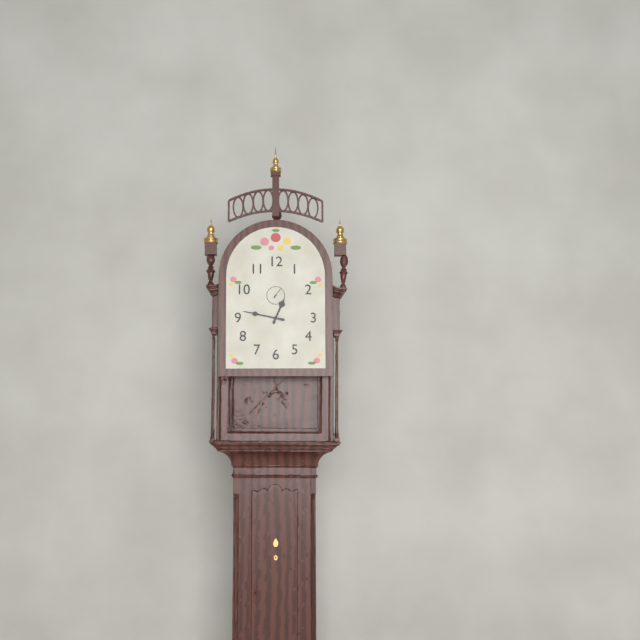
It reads 12h47
